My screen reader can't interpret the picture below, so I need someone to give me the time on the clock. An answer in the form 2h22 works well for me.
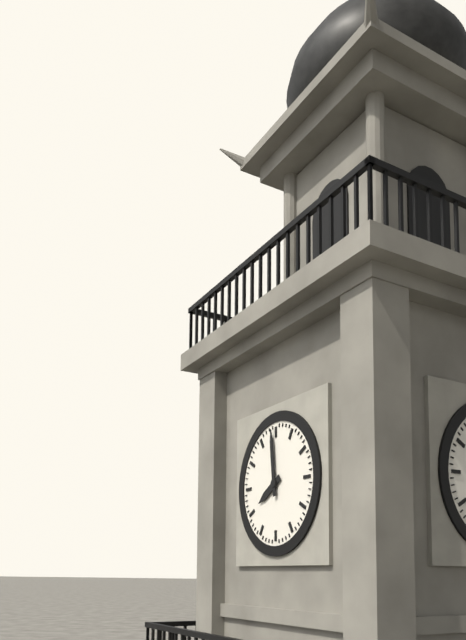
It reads 7h59
